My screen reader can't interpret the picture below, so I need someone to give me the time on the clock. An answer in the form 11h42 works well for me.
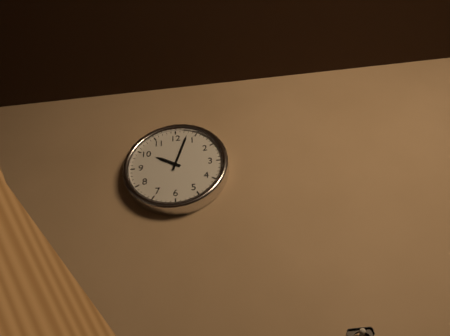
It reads 10h03
